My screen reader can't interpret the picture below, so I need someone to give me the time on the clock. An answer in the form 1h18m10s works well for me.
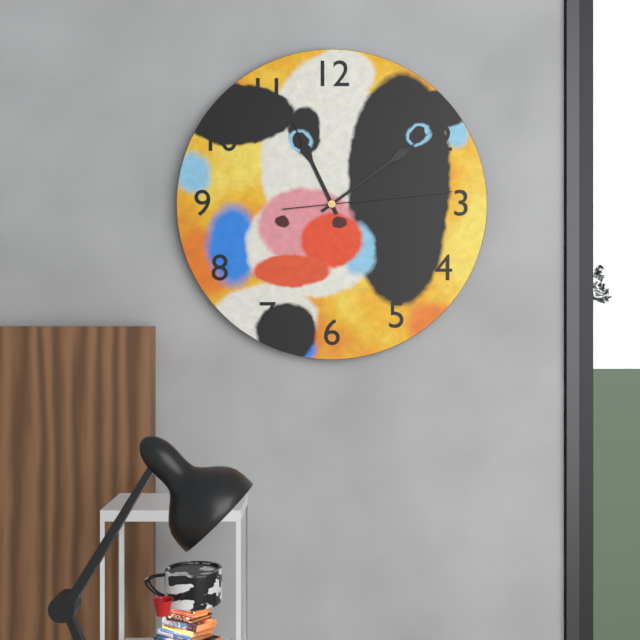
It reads 11h09m14s
